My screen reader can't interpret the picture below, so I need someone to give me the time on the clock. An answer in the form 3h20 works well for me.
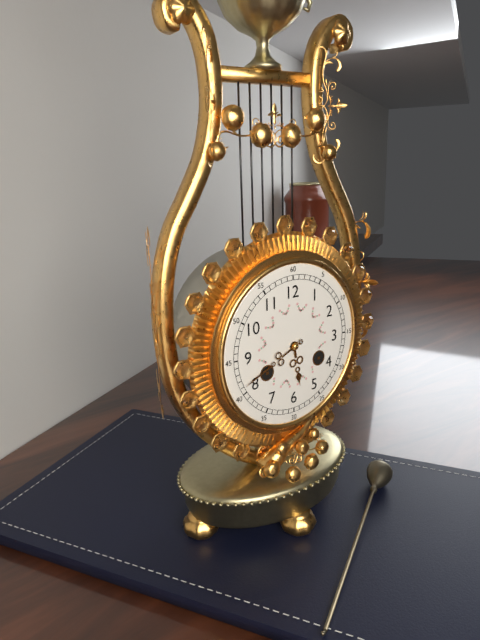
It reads 5h41
